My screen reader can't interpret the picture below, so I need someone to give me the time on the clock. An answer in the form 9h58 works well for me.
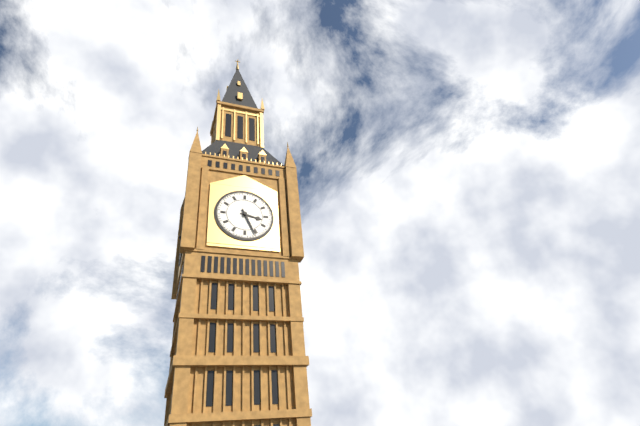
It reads 3h26
